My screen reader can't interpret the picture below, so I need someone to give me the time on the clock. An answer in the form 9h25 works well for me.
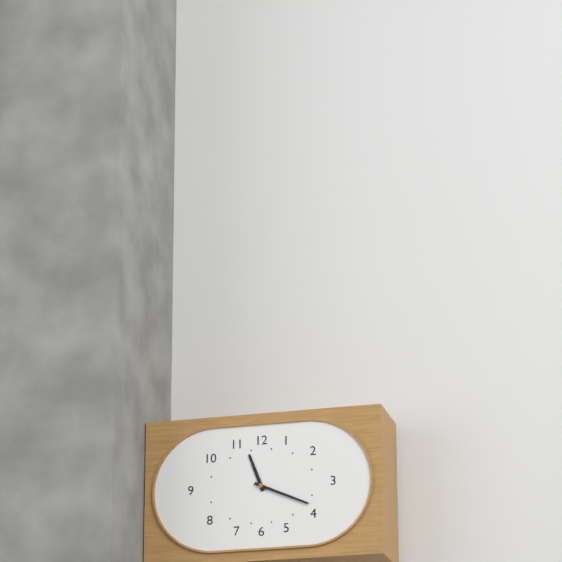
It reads 11h19
